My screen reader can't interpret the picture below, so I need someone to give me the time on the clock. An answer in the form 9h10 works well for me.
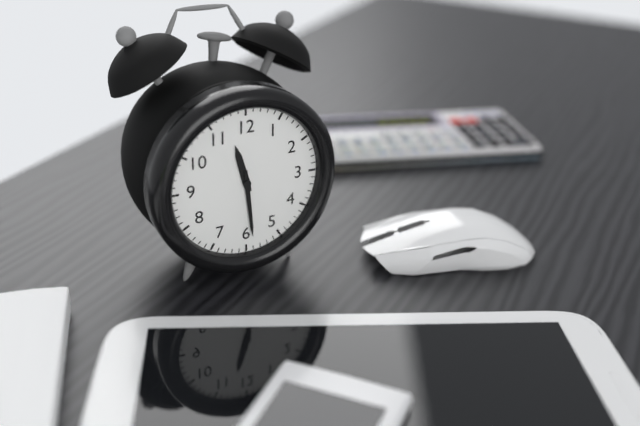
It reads 11h29
